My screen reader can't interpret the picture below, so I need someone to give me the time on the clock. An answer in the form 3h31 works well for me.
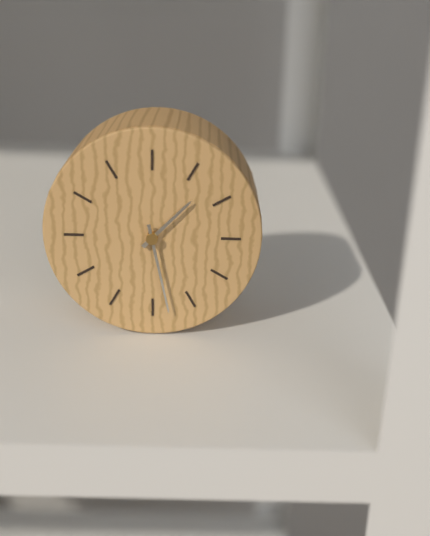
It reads 1h28
